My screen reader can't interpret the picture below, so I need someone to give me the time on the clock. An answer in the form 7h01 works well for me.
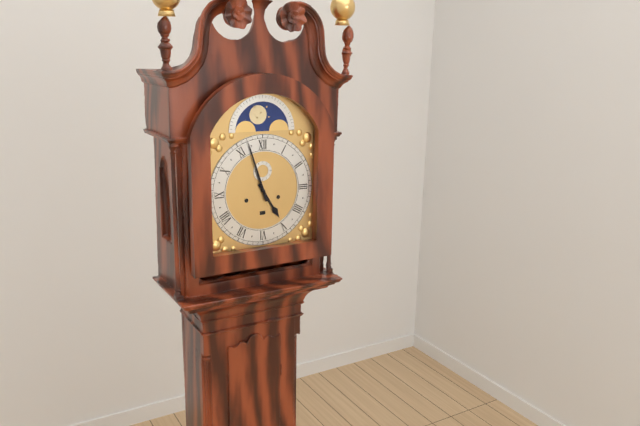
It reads 4h57
